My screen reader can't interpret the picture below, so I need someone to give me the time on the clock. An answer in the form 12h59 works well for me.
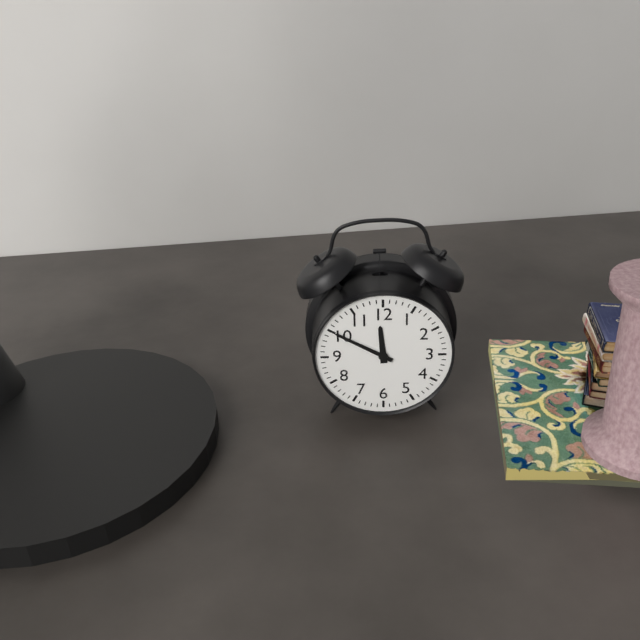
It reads 11h50
